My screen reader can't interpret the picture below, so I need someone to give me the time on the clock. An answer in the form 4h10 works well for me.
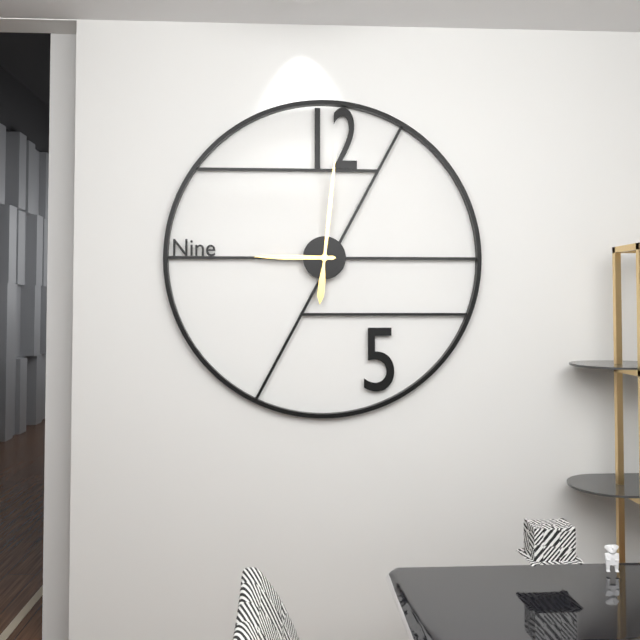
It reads 9h01
